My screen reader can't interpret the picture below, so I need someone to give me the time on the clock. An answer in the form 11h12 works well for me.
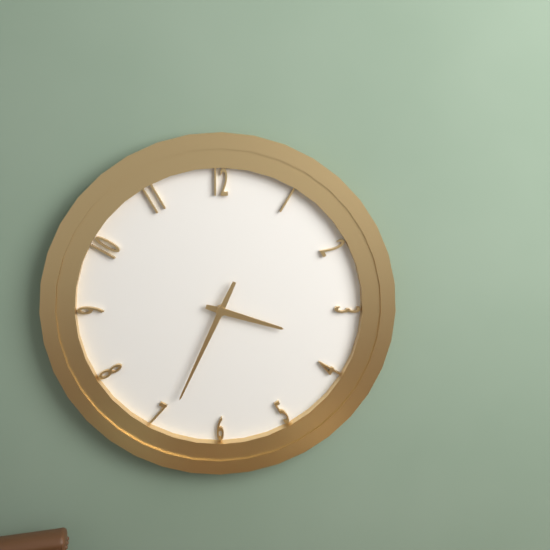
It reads 3h34
